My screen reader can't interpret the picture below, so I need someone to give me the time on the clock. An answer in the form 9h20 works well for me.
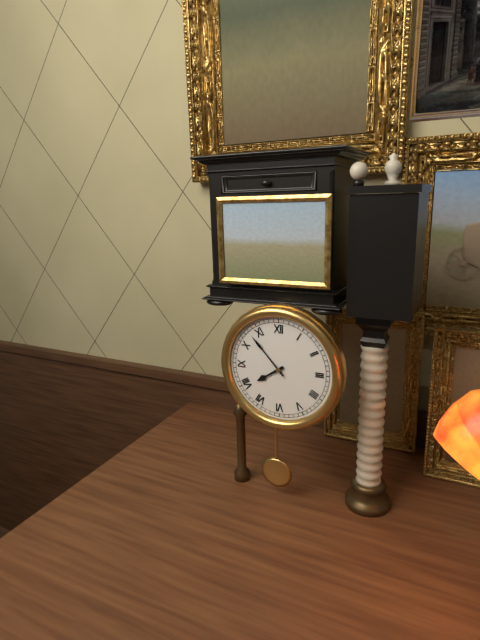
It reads 7h53
